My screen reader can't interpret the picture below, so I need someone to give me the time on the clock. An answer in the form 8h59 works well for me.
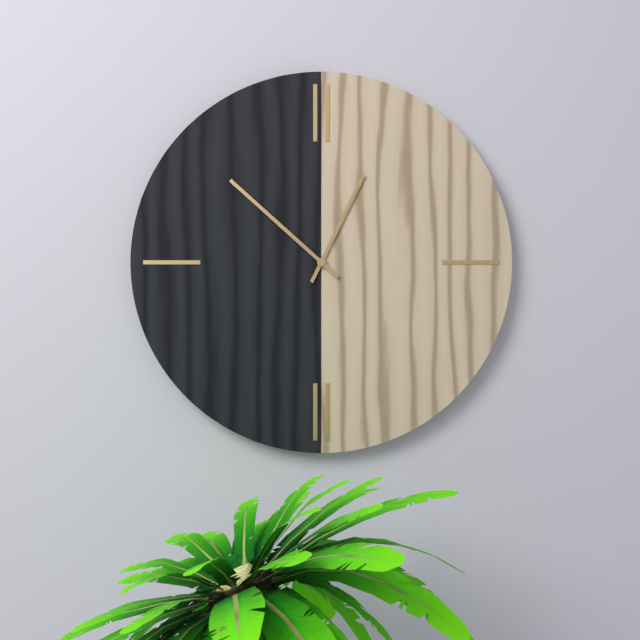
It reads 12h52
